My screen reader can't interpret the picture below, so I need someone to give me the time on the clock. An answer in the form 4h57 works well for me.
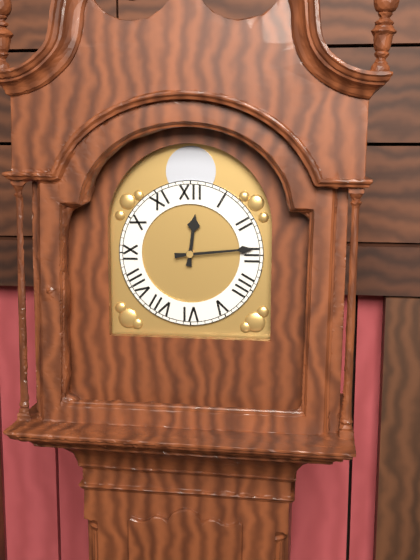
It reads 12h14
